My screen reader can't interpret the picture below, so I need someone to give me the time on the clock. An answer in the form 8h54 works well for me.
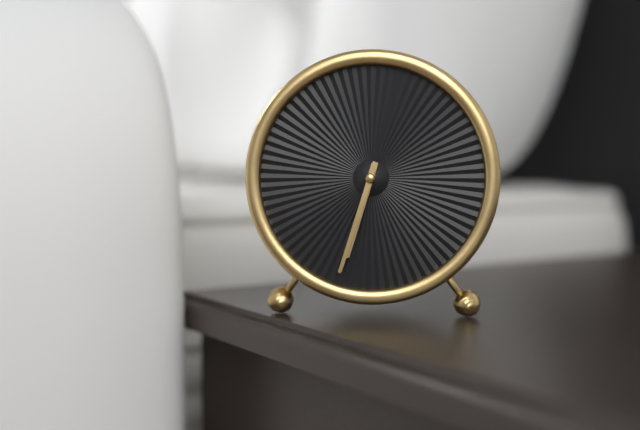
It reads 6h33
